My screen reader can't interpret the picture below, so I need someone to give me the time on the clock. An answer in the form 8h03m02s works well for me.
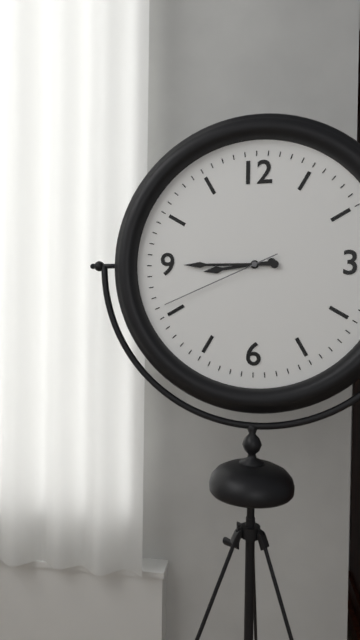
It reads 8h45m41s
